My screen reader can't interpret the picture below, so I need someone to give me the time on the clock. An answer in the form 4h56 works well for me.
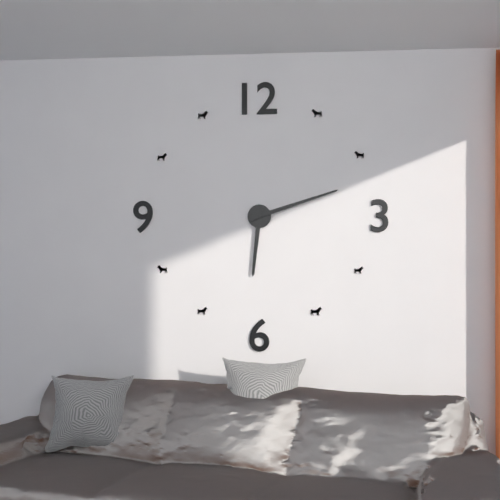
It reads 6h12
